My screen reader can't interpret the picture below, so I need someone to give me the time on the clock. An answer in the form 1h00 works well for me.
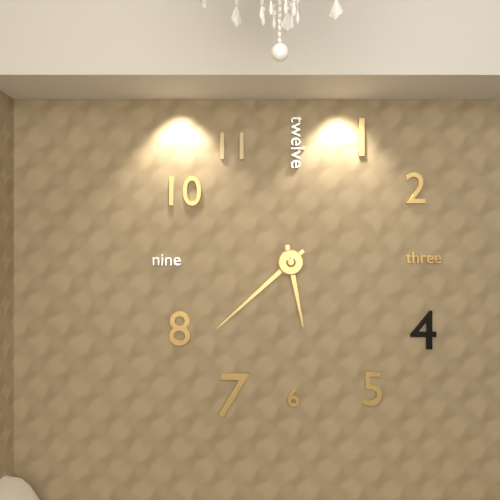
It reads 5h38
